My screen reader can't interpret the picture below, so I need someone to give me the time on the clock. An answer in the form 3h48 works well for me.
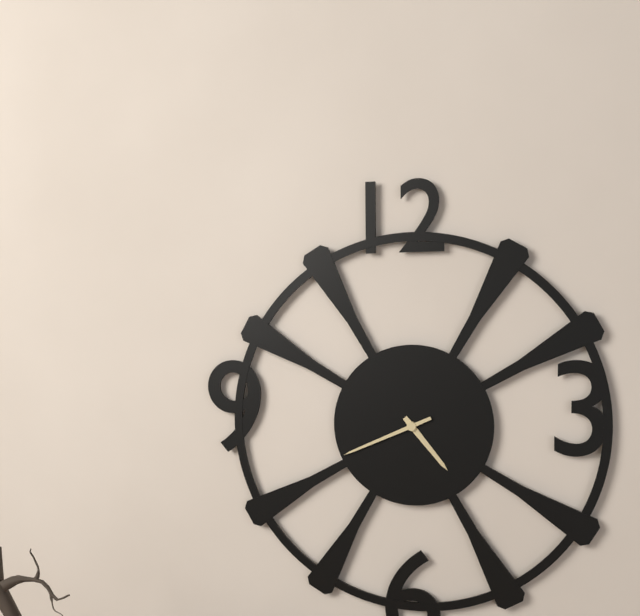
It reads 4h41
